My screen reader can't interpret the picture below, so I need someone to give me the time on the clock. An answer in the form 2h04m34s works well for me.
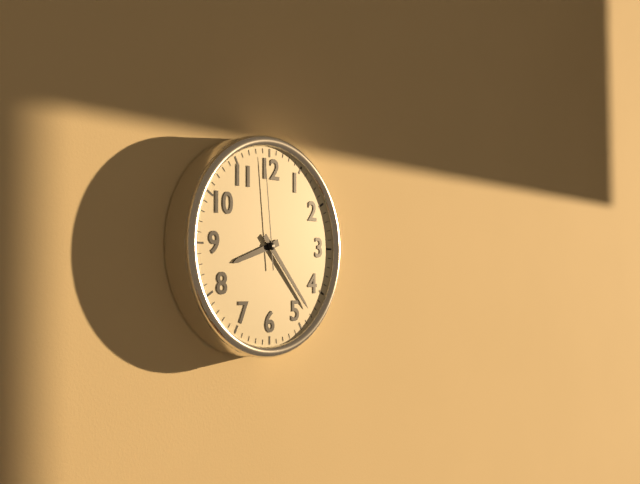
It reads 8h23m59s
